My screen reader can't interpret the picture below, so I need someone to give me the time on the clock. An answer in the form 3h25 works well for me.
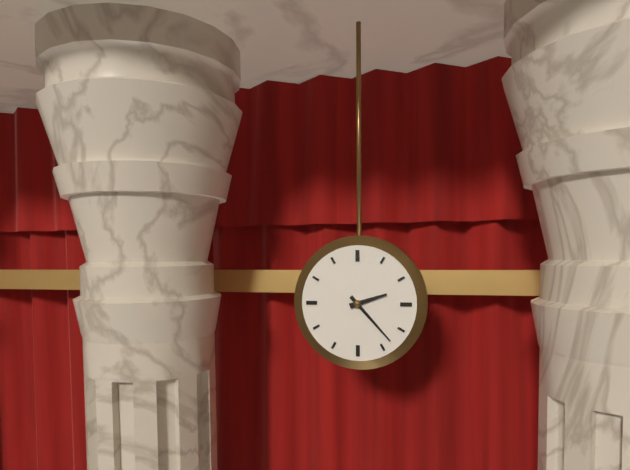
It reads 2h23
